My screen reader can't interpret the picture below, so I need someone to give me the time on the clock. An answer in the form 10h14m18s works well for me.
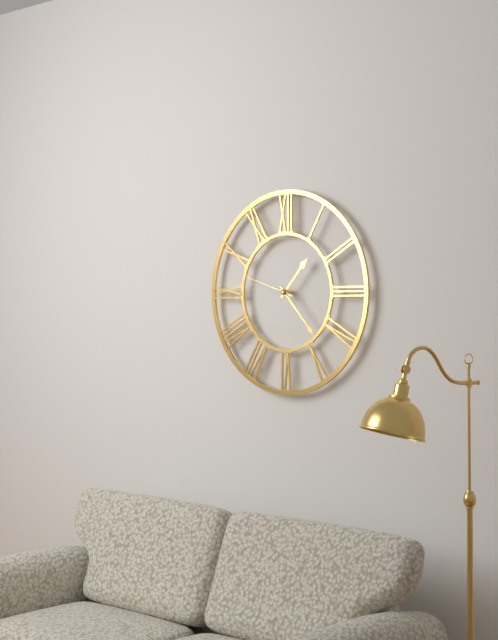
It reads 1h23m48s
